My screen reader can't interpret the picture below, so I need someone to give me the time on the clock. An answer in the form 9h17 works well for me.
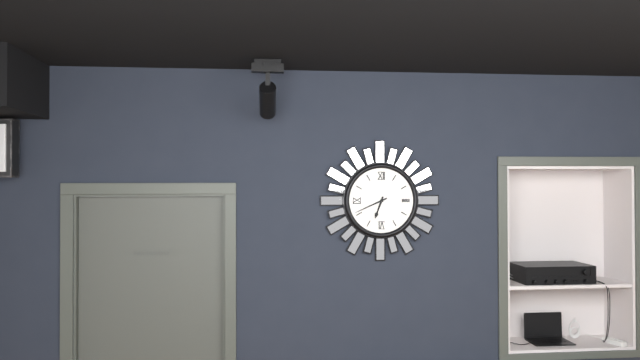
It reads 6h41
